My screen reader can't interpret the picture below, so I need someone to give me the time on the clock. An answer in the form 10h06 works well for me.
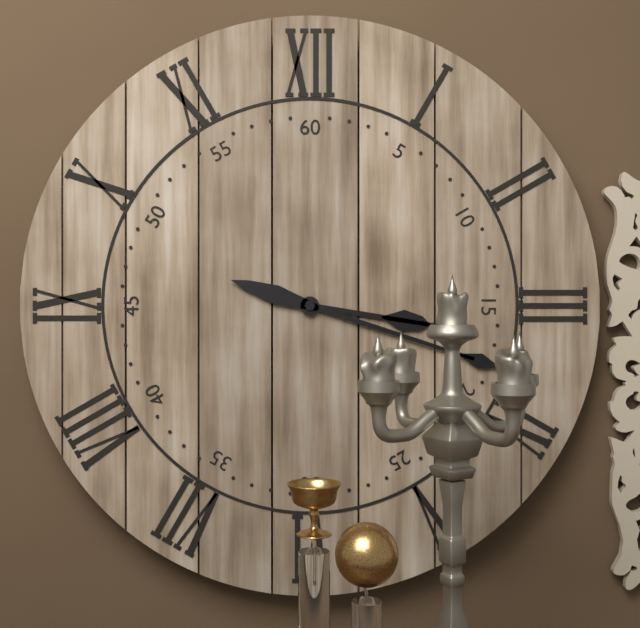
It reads 3h18
